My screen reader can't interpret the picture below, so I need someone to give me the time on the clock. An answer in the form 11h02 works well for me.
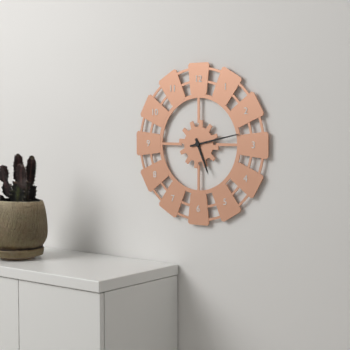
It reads 5h13
